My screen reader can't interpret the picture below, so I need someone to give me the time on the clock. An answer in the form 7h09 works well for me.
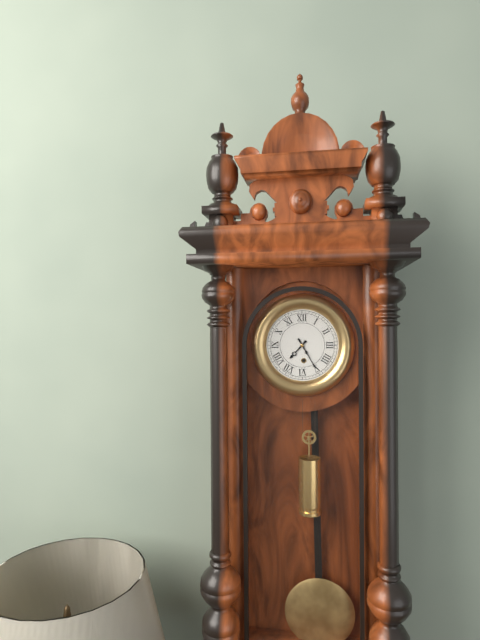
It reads 7h25
